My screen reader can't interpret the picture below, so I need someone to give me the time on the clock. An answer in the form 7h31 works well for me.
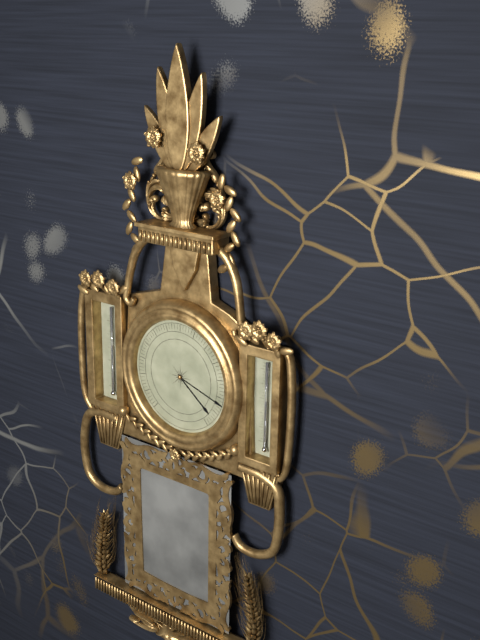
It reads 4h18
